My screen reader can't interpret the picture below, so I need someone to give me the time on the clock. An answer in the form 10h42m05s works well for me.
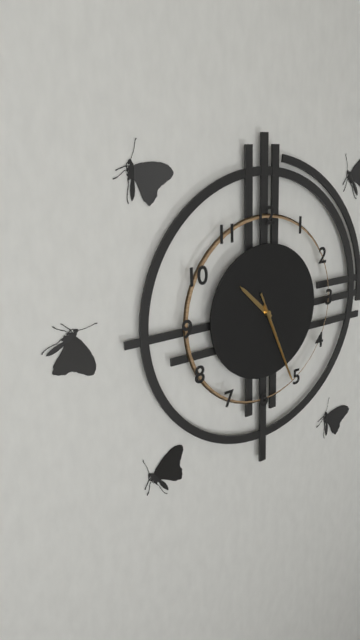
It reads 10h26m26s
